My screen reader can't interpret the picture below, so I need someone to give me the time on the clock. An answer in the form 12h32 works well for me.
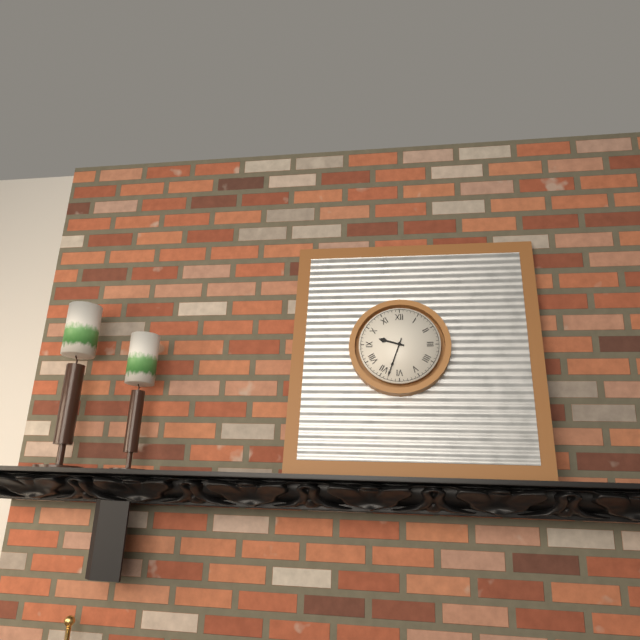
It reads 9h33
